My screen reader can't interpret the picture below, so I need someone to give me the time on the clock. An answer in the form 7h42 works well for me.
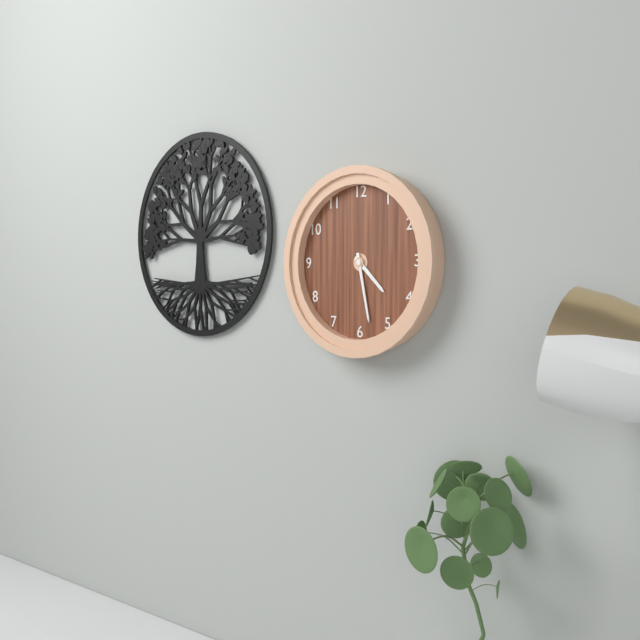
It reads 4h28
